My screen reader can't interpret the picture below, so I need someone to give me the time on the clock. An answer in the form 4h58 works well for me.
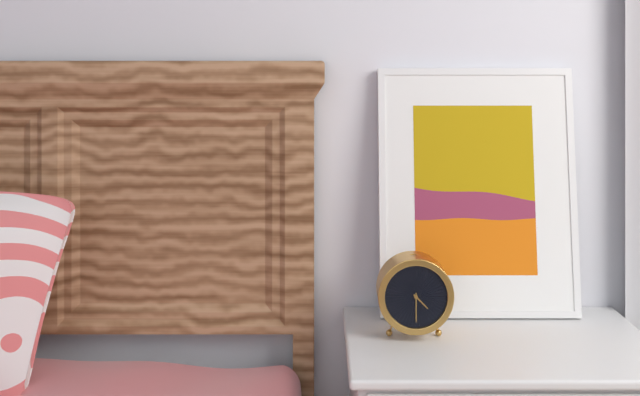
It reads 4h30
